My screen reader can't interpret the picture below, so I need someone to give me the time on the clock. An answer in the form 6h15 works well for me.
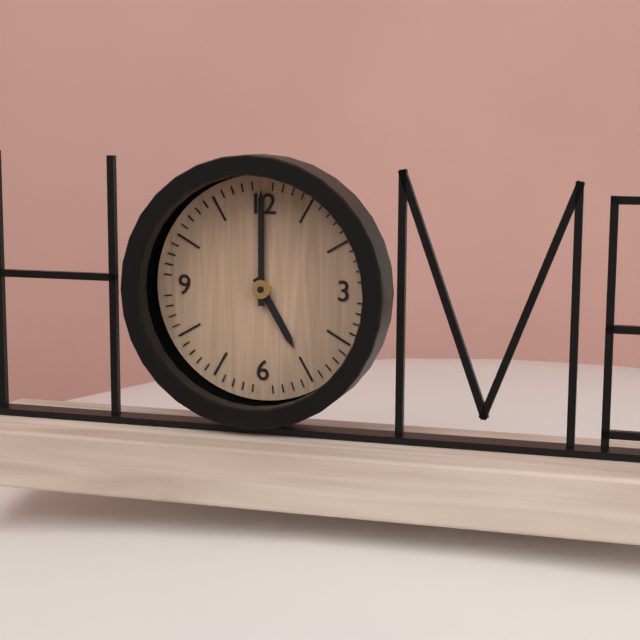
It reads 5h00
